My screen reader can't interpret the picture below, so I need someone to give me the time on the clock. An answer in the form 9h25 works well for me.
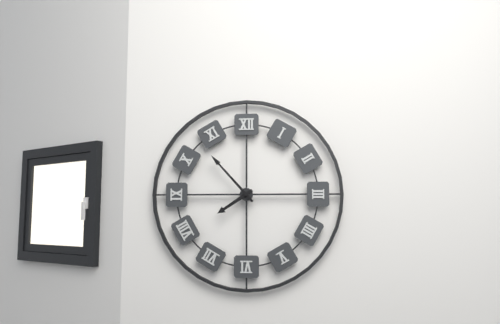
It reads 7h53
